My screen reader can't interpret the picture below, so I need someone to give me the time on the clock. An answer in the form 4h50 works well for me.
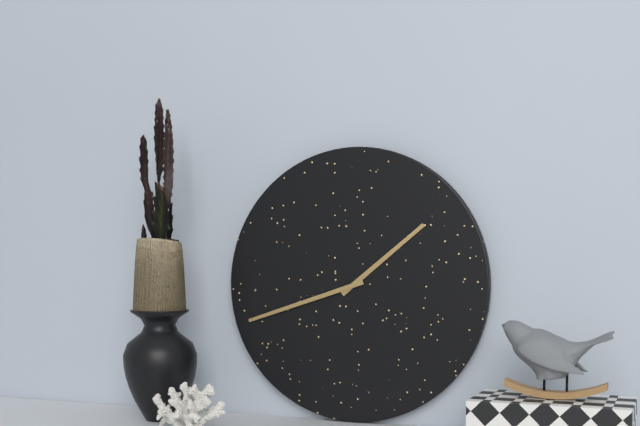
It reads 1h42
